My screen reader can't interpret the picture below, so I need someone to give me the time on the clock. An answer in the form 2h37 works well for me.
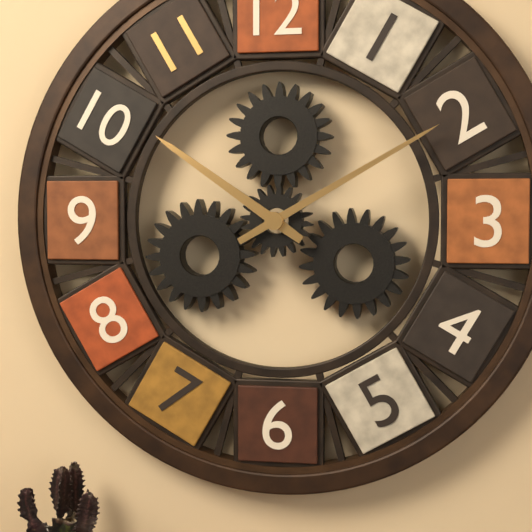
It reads 10h10
